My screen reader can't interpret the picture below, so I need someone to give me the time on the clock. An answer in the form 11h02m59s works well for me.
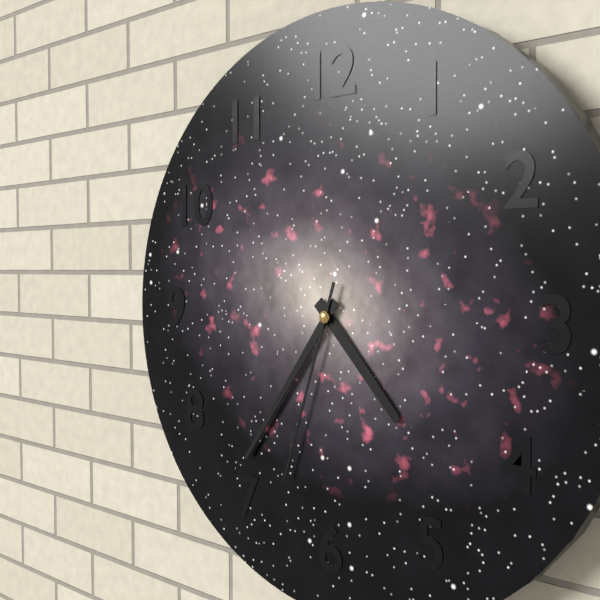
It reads 4h36m33s
